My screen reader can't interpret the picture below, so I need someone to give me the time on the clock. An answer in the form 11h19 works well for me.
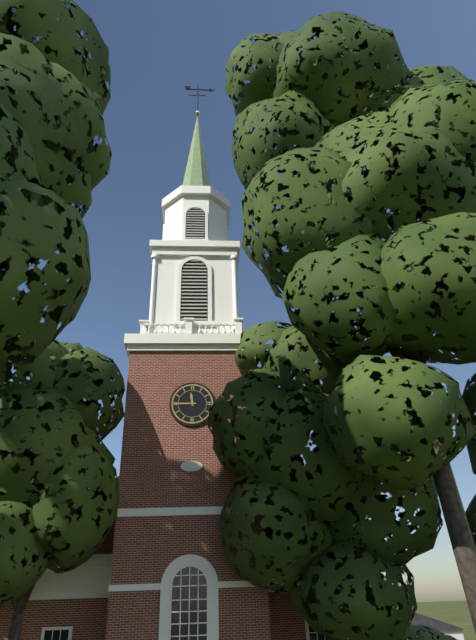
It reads 11h45
